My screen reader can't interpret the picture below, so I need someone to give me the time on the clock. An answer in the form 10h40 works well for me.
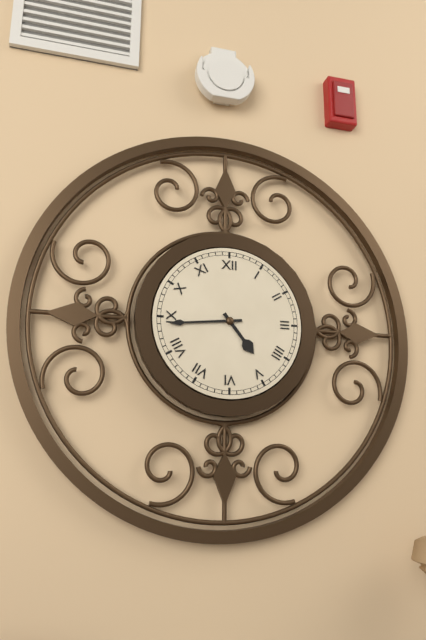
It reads 4h44
